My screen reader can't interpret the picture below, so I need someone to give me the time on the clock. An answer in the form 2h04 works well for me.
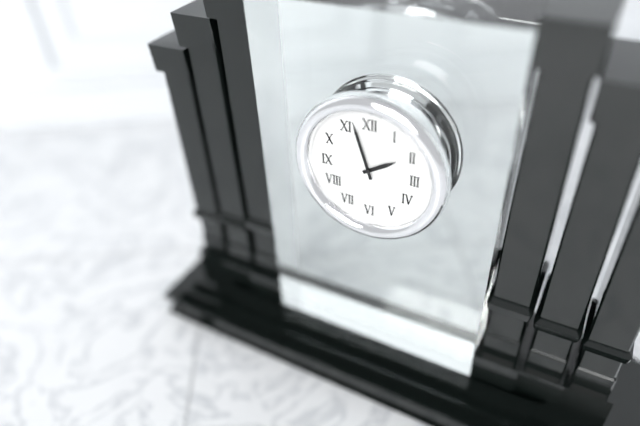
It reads 1h57
